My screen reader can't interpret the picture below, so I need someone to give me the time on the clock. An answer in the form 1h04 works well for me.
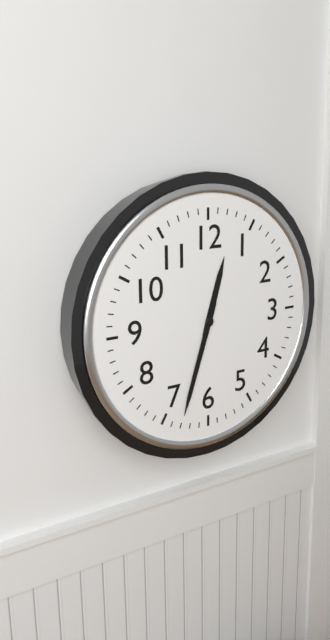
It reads 12h33
